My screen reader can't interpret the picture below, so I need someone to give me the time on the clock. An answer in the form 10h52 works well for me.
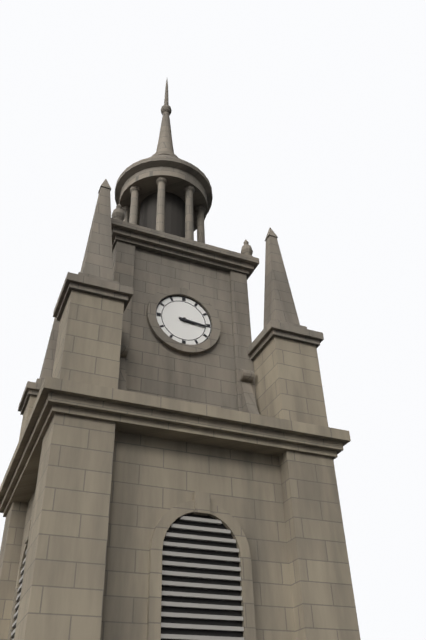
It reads 3h16
